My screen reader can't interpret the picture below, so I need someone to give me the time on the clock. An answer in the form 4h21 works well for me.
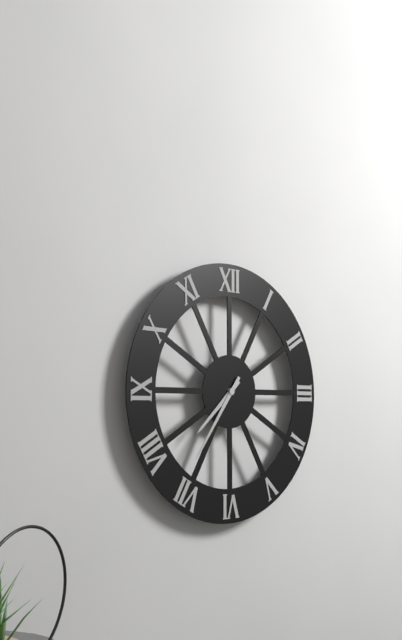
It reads 7h36
